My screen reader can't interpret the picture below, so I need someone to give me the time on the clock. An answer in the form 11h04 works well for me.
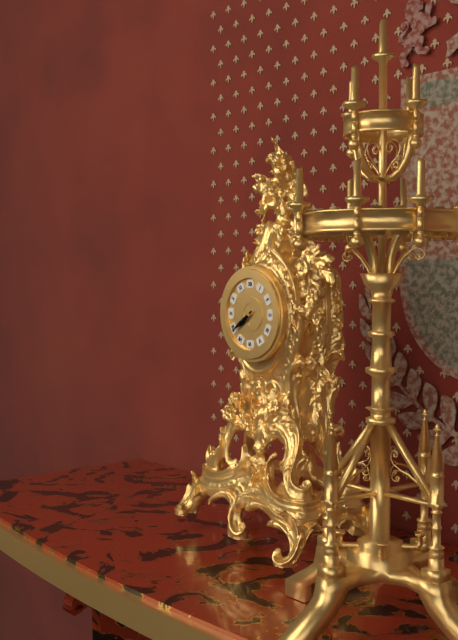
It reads 7h39
